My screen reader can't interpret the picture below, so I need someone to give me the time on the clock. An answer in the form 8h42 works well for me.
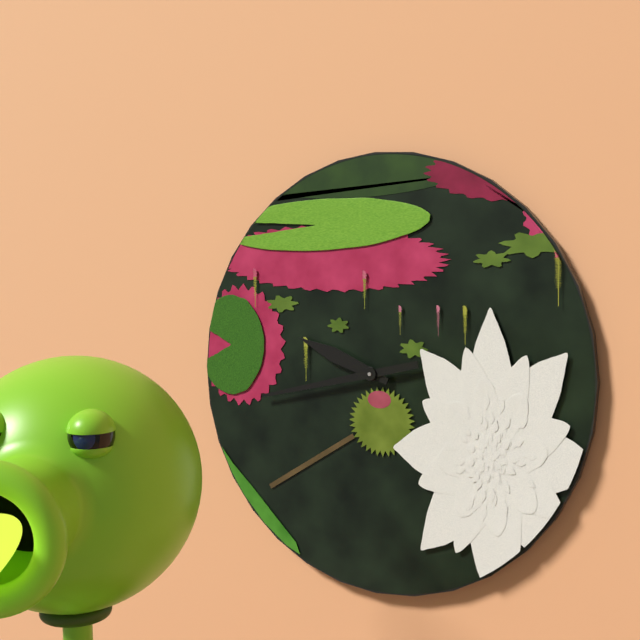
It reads 9h43
